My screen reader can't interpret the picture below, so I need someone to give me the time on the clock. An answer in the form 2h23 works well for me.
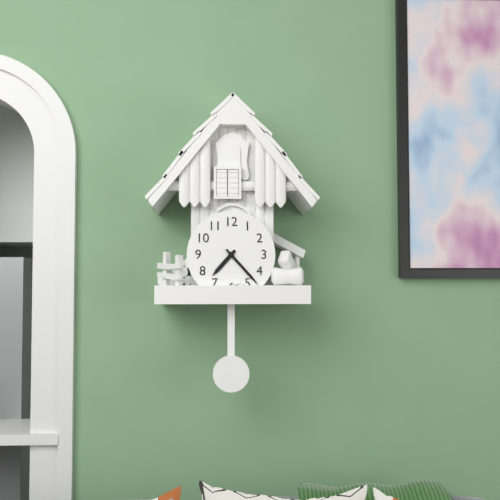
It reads 7h23
